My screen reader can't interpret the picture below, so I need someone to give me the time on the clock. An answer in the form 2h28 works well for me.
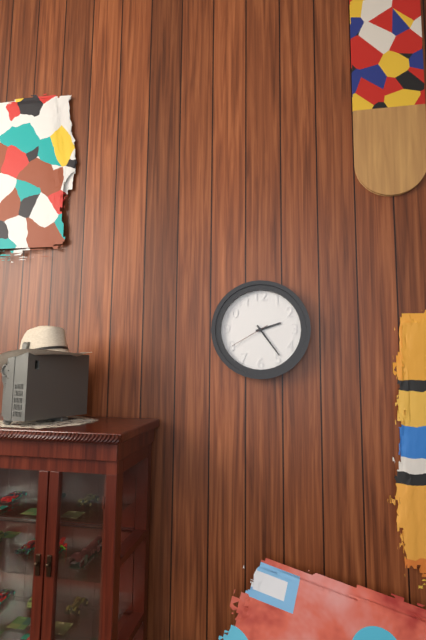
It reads 2h24
